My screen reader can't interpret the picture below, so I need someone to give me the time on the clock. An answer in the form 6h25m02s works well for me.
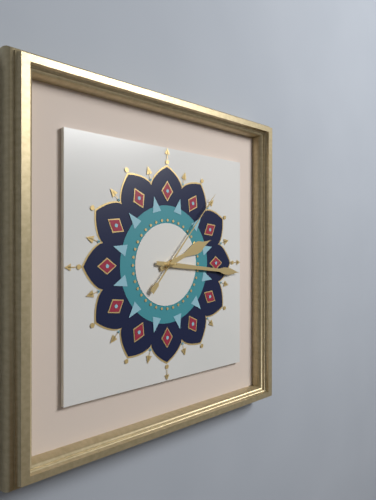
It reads 2h16m07s
